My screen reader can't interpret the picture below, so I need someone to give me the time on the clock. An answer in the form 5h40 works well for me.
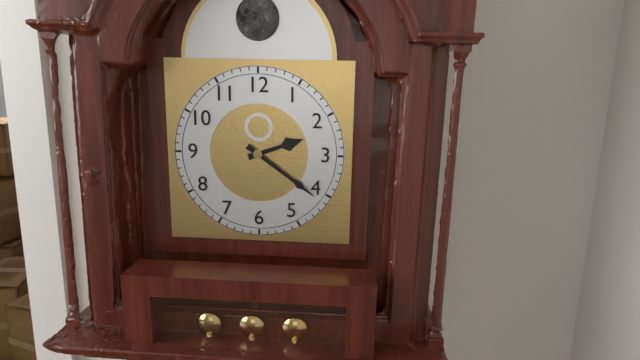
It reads 2h21
